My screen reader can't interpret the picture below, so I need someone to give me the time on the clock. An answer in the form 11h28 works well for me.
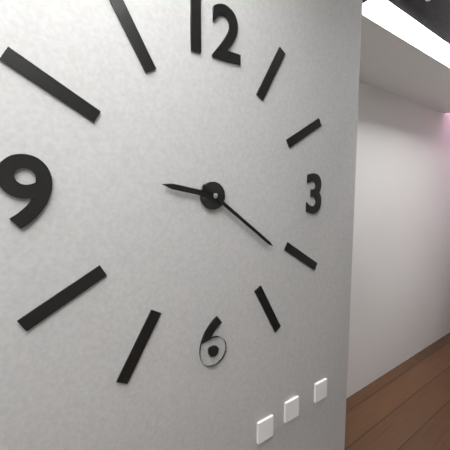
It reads 9h21
